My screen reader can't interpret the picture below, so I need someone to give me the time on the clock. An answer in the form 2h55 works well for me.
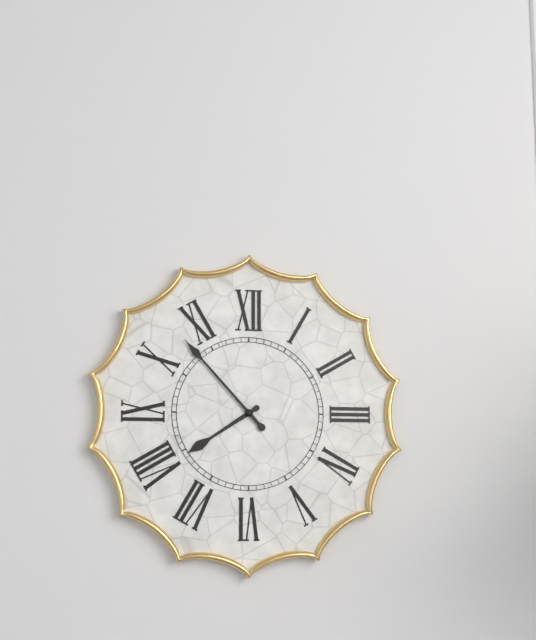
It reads 7h53
